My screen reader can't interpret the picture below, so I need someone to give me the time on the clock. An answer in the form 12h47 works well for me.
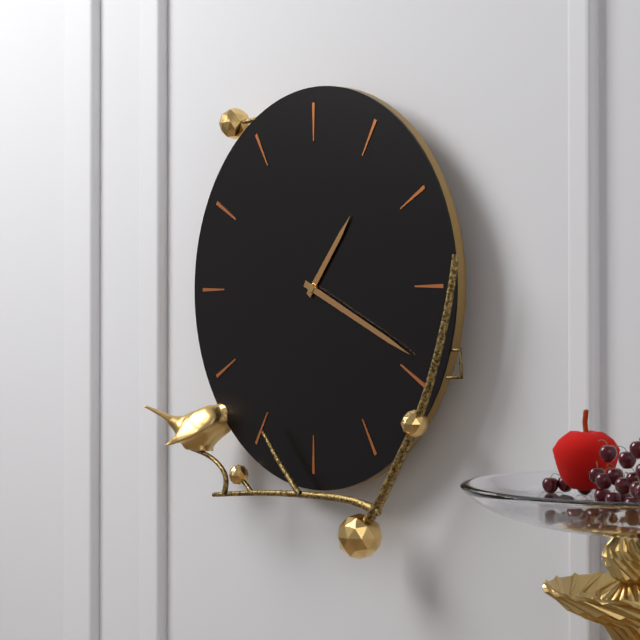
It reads 1h19
